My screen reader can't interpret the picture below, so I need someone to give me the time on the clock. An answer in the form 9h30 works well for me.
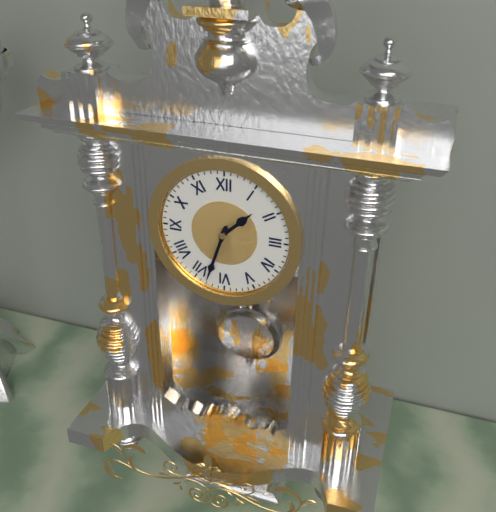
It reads 1h33
